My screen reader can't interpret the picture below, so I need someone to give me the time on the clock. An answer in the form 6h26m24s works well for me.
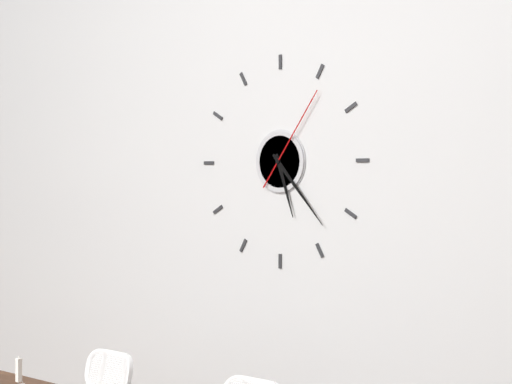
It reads 5h23m06s
